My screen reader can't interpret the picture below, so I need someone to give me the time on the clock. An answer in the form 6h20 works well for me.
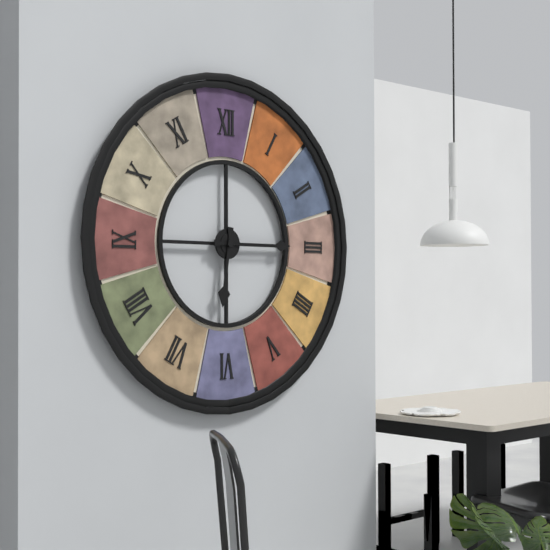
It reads 6h15
